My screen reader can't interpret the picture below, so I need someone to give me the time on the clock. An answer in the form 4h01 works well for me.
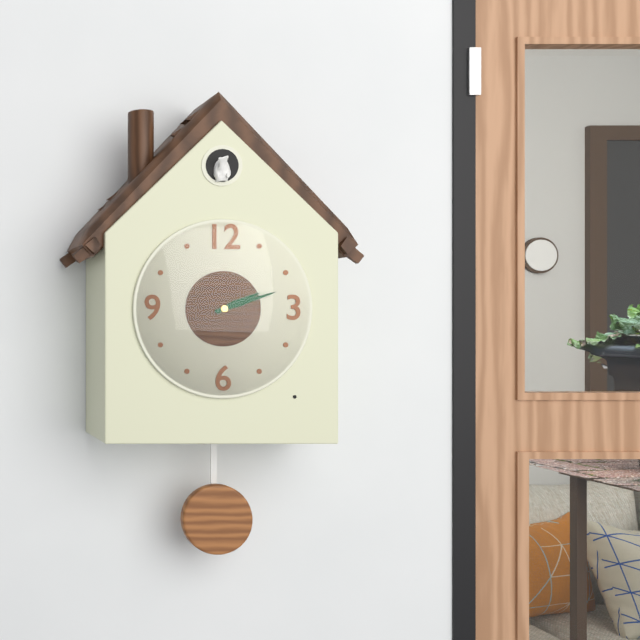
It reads 2h12
